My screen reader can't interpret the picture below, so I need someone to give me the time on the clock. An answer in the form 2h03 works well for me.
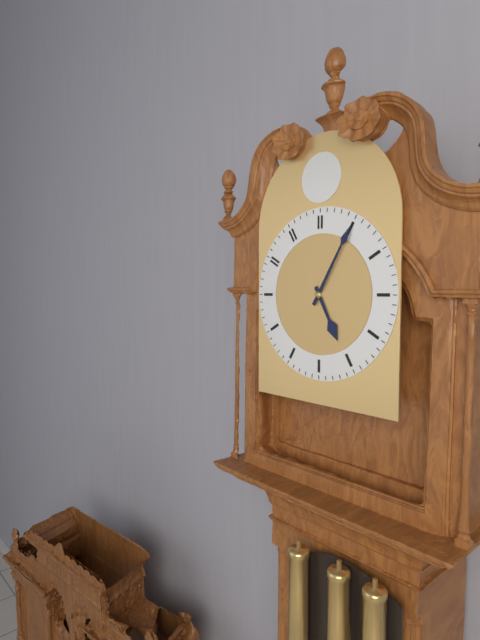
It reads 5h05
